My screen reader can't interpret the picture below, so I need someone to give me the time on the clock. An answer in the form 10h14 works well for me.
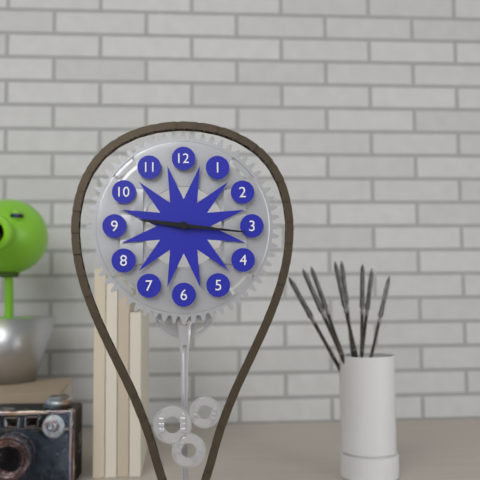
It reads 9h16
